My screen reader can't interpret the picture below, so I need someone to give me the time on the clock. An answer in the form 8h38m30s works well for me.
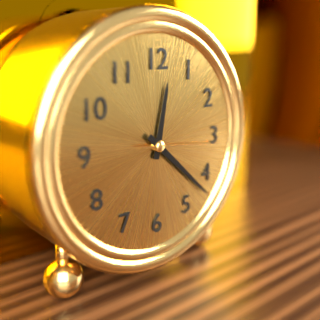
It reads 12h22m16s
